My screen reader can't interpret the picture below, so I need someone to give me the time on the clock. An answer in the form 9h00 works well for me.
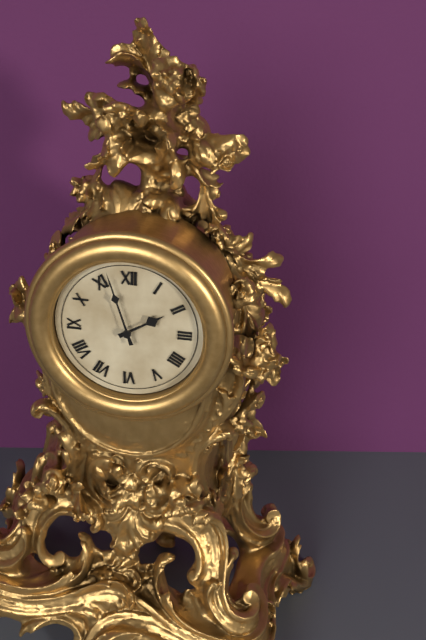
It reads 1h57
